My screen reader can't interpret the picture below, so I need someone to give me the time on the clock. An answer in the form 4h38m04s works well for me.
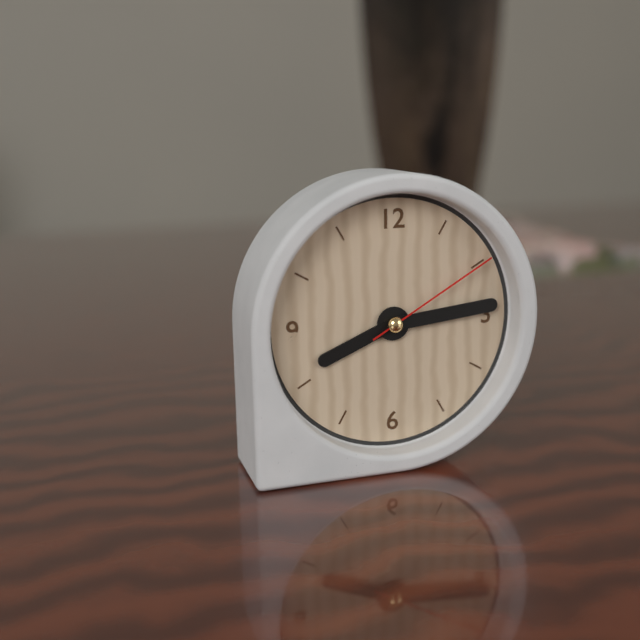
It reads 8h14m10s
